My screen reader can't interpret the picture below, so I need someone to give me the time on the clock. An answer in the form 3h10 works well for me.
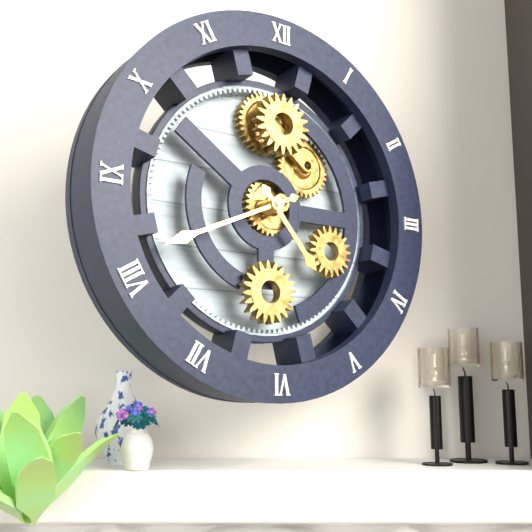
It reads 4h41
